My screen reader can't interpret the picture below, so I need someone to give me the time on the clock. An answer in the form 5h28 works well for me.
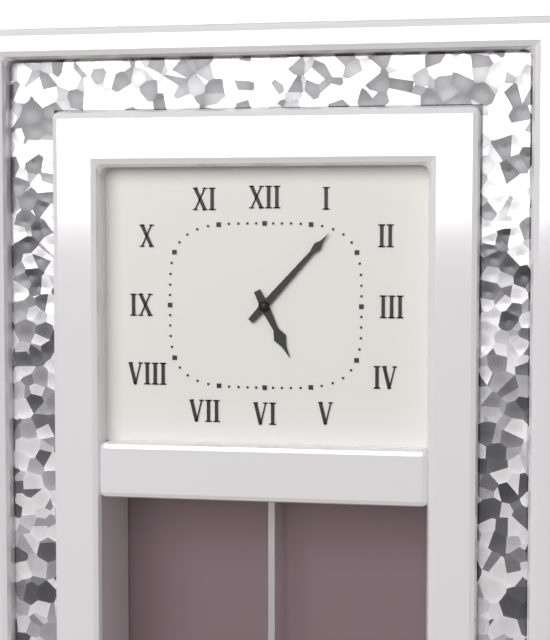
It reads 5h07
